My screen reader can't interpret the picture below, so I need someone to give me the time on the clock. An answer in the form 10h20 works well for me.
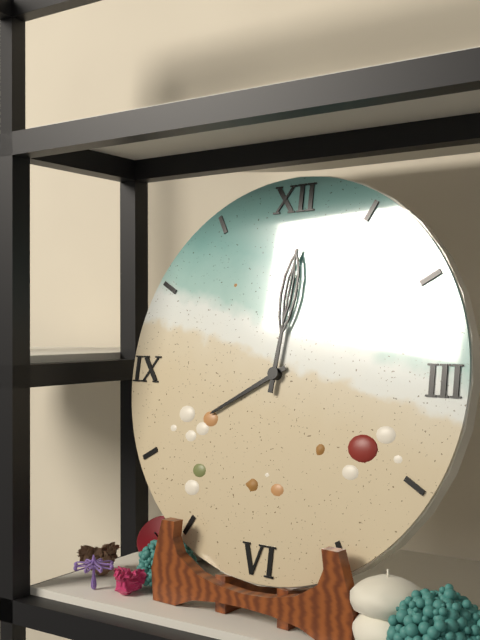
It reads 8h01
